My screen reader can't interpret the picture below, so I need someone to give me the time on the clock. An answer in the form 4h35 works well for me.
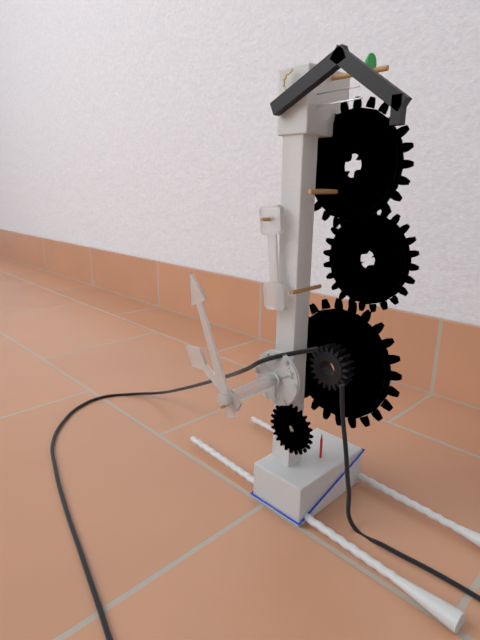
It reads 9h56
